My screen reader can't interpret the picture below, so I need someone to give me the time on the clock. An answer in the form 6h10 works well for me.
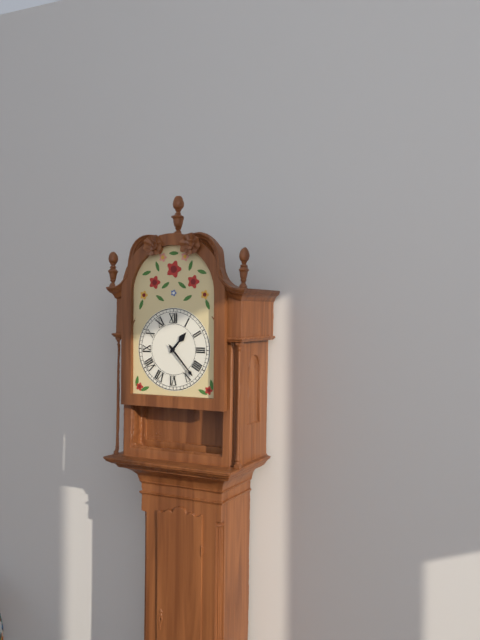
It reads 1h23
